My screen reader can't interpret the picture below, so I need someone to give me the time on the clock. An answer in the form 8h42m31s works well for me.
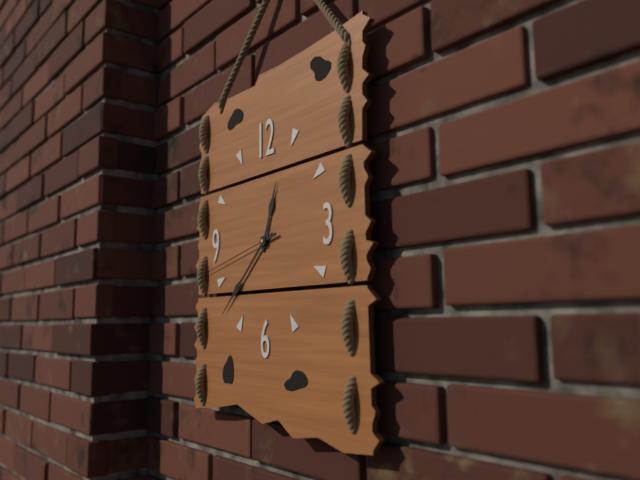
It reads 12h38m43s
